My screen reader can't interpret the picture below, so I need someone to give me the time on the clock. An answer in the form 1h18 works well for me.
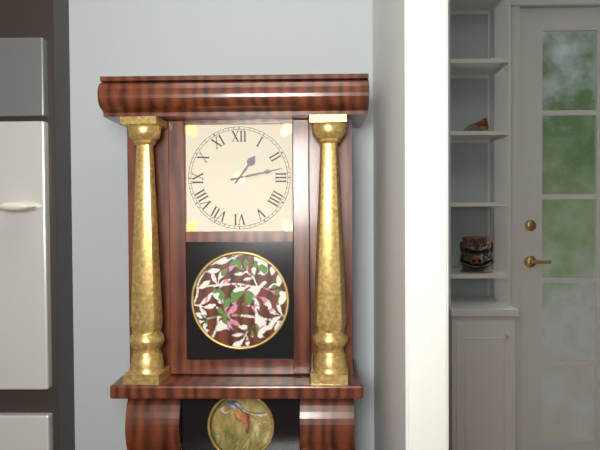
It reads 1h13
